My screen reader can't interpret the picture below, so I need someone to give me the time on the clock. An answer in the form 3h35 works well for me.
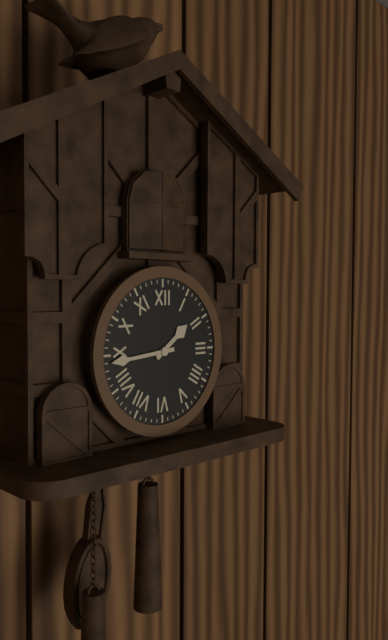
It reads 1h44
